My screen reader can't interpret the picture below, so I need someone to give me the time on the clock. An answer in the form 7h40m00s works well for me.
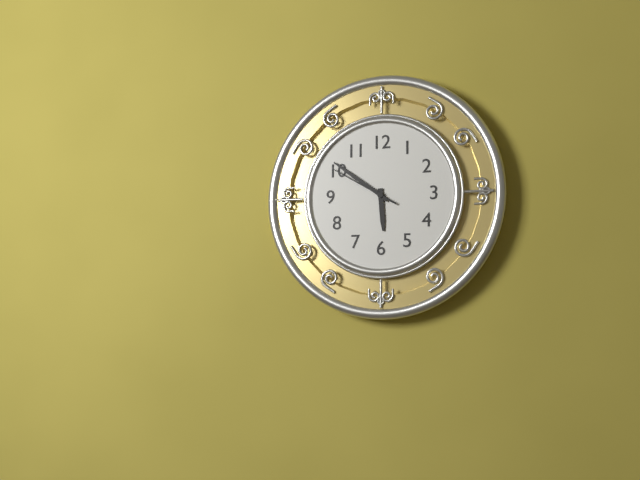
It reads 5h51m50s
